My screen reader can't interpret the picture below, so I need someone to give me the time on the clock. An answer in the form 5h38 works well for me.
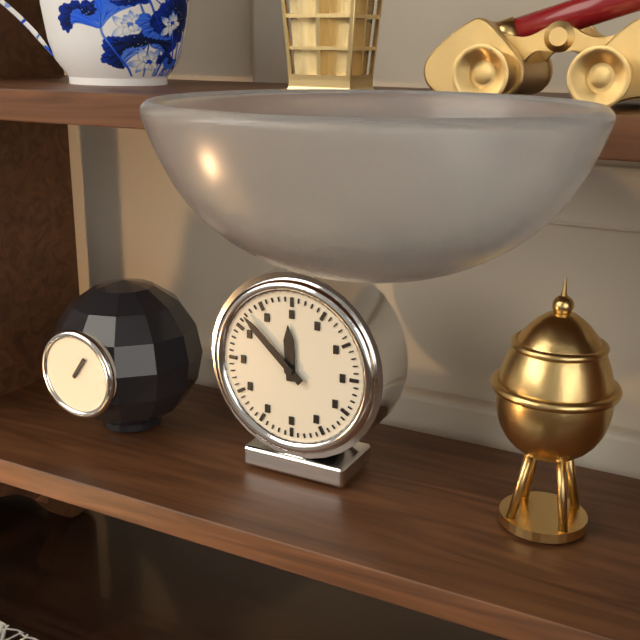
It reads 11h52
